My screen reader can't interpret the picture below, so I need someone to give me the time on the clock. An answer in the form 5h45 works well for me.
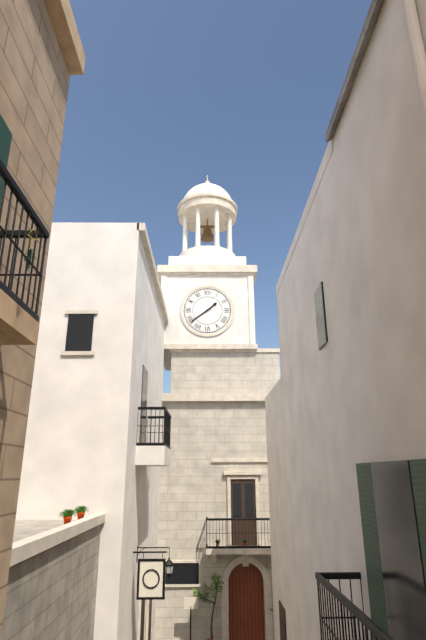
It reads 1h39
